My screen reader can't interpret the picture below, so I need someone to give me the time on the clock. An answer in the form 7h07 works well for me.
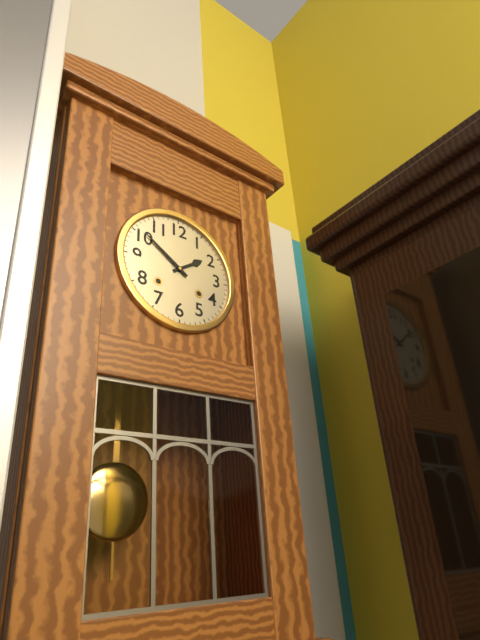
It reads 1h51
